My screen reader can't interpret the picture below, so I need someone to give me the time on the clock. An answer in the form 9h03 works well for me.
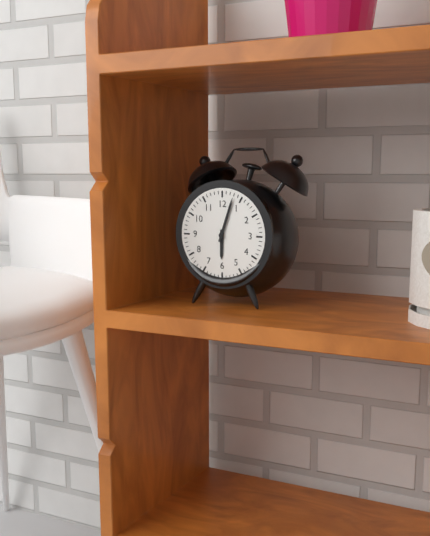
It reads 6h03
